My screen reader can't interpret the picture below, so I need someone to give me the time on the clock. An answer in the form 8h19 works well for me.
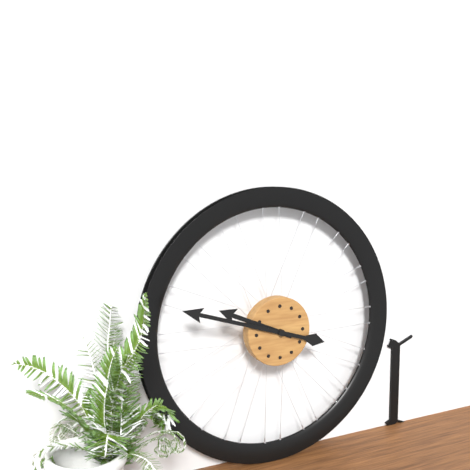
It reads 9h48
